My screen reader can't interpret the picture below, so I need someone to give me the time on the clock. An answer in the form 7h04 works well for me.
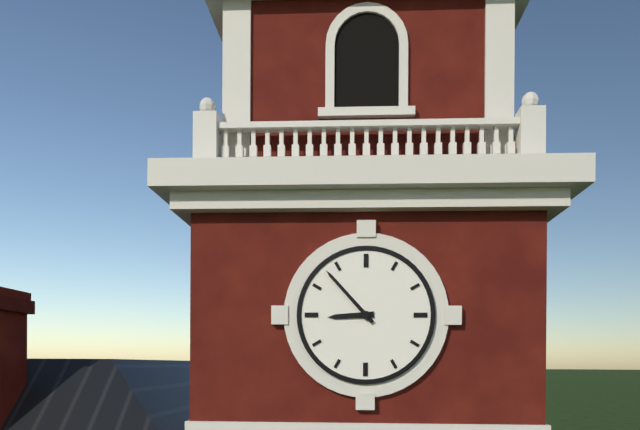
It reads 8h53
